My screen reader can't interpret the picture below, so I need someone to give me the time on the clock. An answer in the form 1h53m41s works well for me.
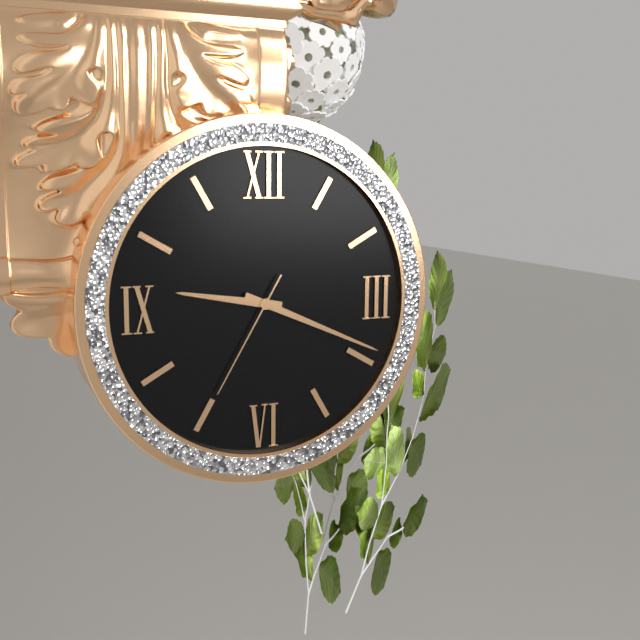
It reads 9h19m35s
